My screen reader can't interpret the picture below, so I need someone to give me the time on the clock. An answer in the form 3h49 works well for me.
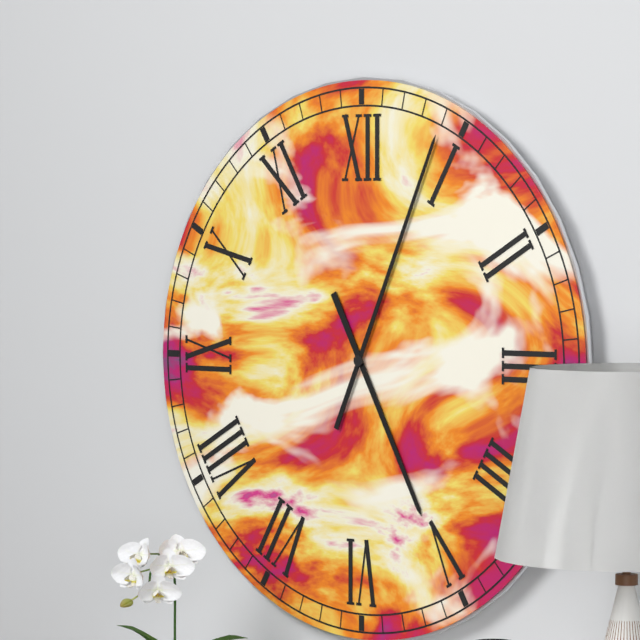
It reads 5h04
